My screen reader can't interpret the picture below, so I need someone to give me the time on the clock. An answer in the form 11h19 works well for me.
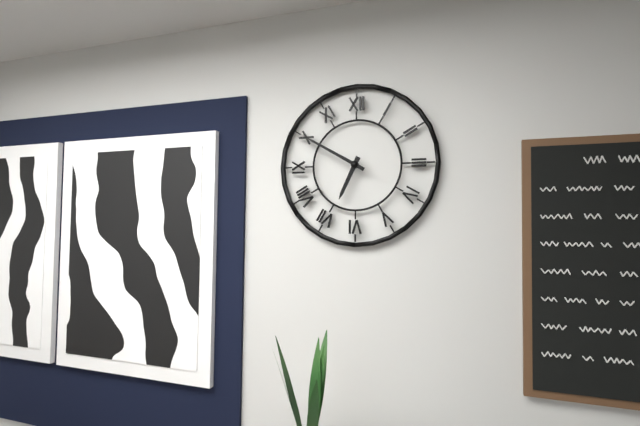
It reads 6h50
